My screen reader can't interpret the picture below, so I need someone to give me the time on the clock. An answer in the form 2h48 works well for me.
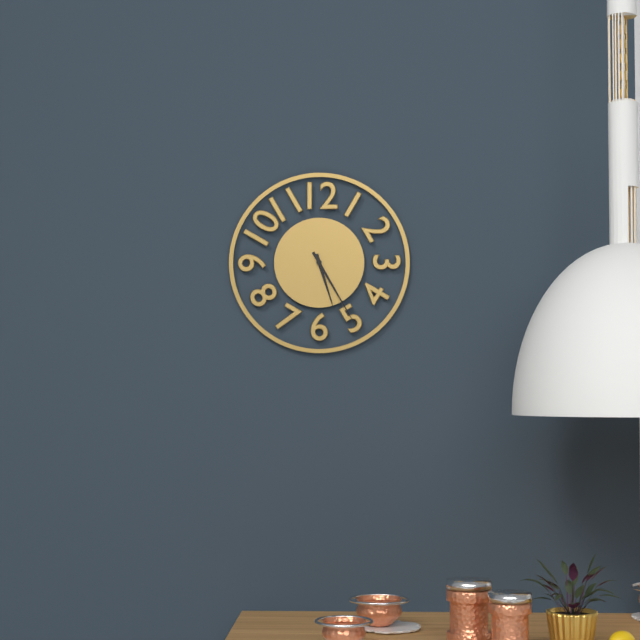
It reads 5h25
